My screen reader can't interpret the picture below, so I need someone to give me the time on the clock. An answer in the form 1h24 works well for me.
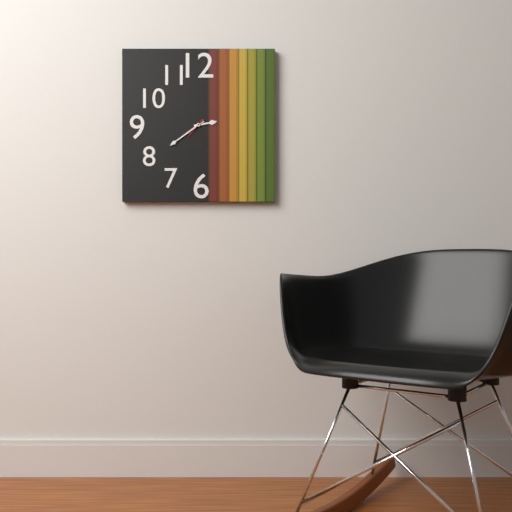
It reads 2h39
